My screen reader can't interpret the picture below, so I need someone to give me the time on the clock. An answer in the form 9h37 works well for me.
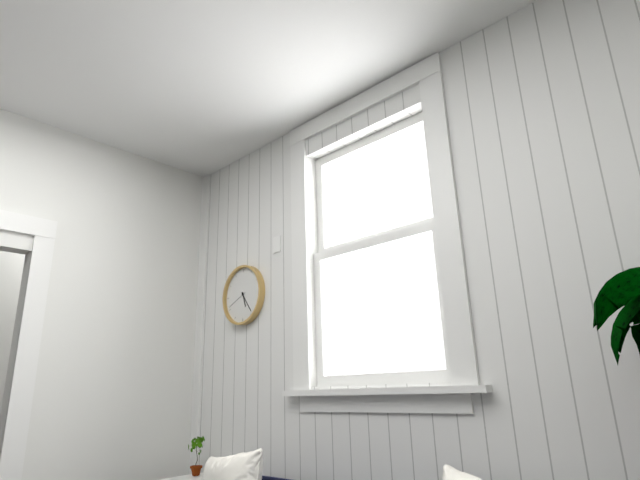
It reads 5h24
